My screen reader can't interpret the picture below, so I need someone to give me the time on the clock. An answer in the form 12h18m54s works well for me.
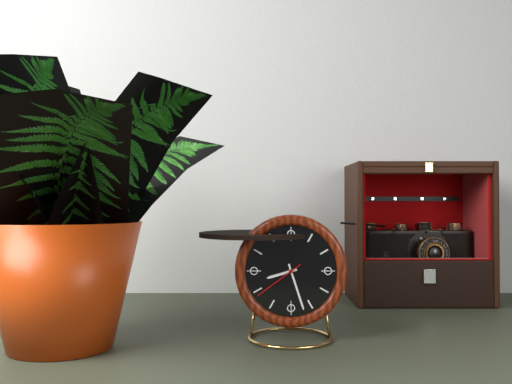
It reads 8h27m39s
